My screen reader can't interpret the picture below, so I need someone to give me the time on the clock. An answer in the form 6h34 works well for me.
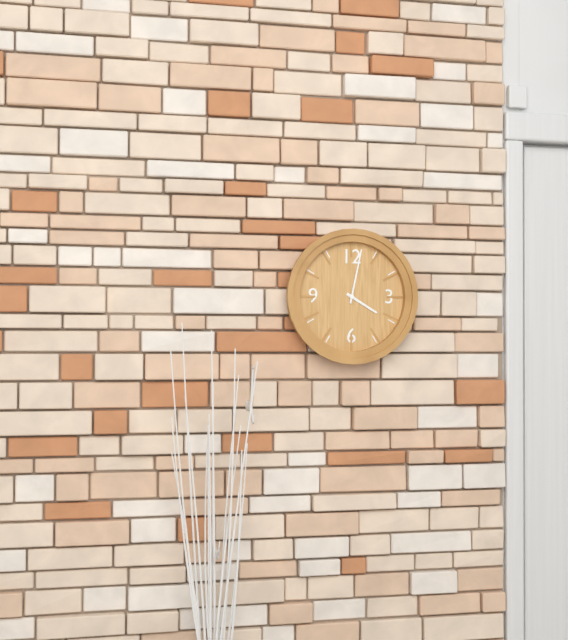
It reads 4h02
